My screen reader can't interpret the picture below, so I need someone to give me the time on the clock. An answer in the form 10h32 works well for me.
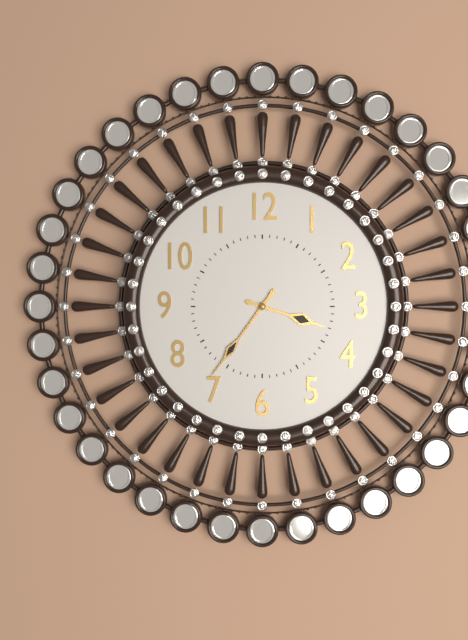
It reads 3h36
